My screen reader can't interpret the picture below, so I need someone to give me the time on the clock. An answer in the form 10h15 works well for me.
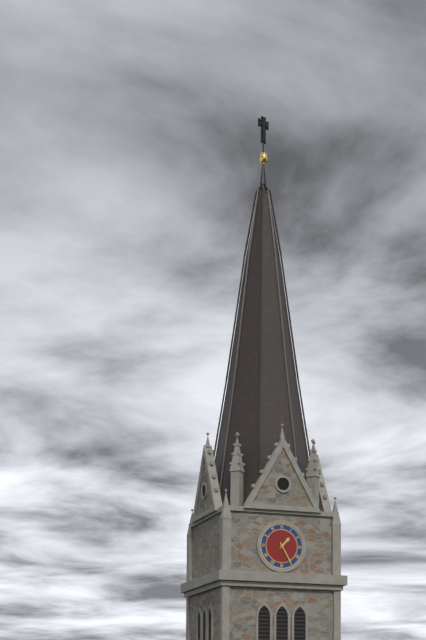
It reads 1h25
